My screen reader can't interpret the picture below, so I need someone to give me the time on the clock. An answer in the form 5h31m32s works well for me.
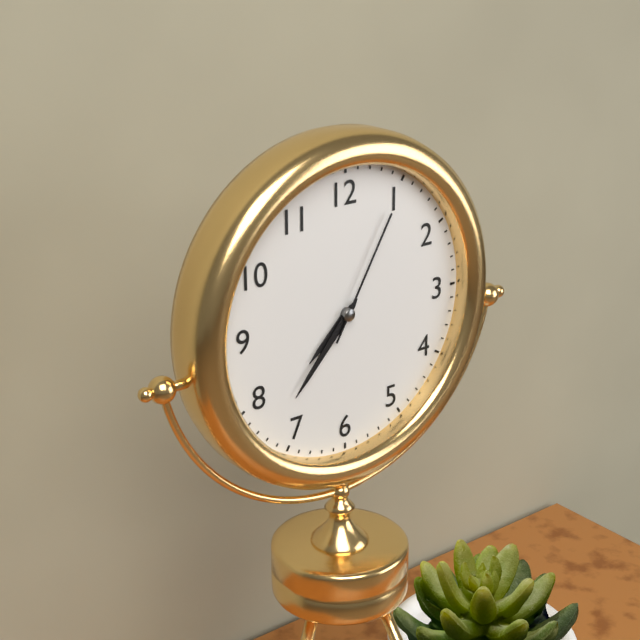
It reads 7h37m05s
